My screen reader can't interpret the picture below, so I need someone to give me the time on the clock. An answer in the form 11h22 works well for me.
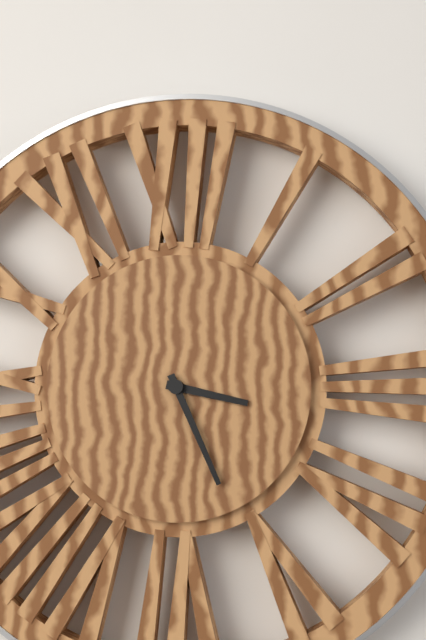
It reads 3h26
